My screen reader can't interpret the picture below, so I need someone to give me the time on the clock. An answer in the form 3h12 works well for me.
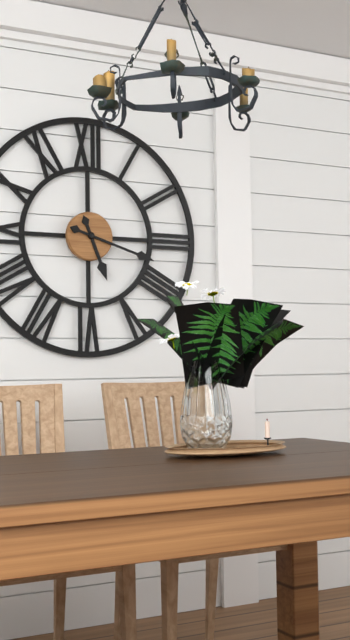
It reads 5h18
